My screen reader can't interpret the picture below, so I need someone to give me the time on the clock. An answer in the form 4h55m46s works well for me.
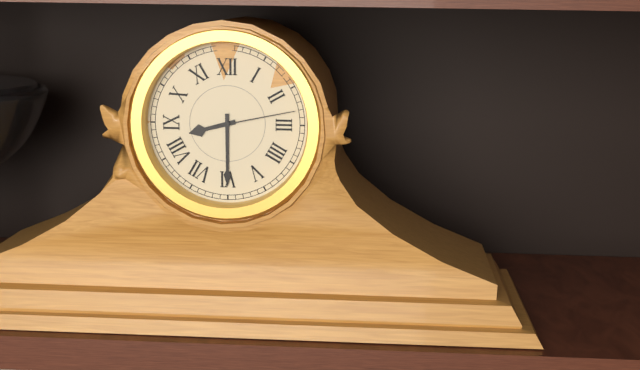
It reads 8h30m13s
